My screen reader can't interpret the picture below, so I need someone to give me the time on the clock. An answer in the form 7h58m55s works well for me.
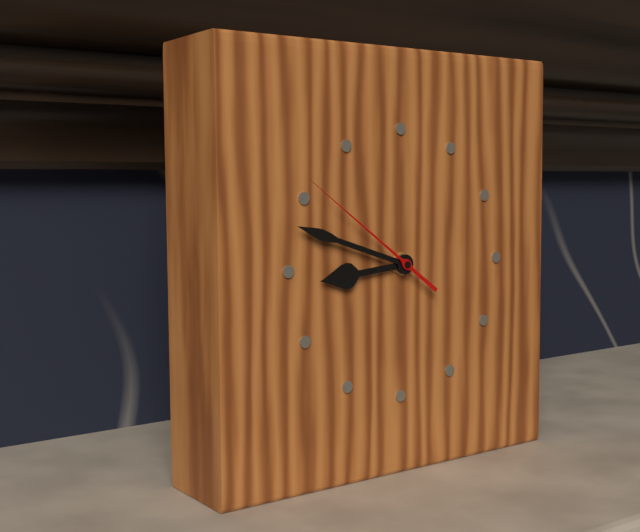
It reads 8h48m51s
